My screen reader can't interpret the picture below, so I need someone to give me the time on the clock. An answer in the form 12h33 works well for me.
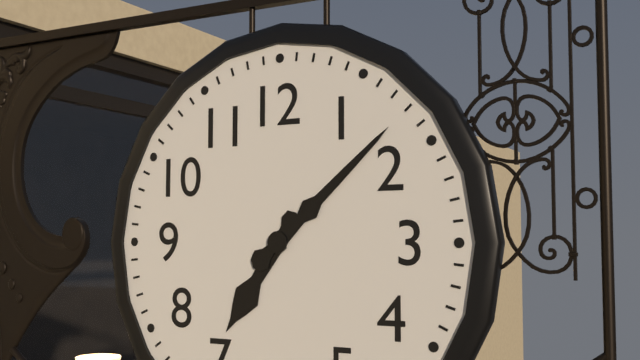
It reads 7h08
